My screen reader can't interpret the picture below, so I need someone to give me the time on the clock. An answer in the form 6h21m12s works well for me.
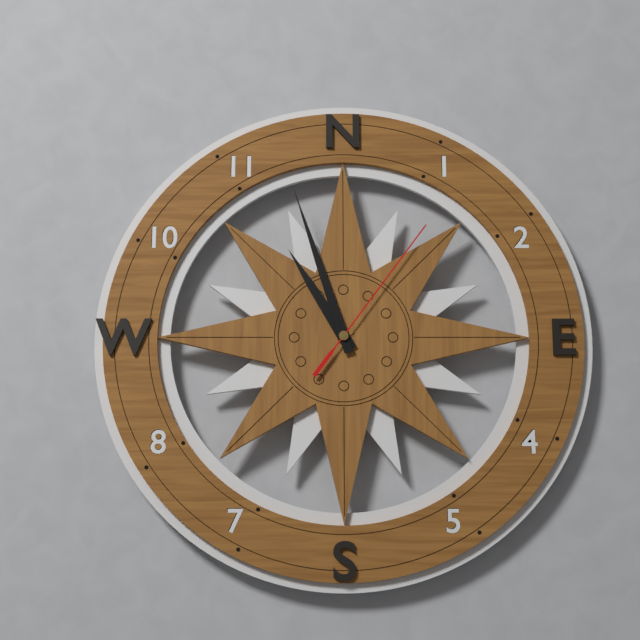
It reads 10h57m06s
